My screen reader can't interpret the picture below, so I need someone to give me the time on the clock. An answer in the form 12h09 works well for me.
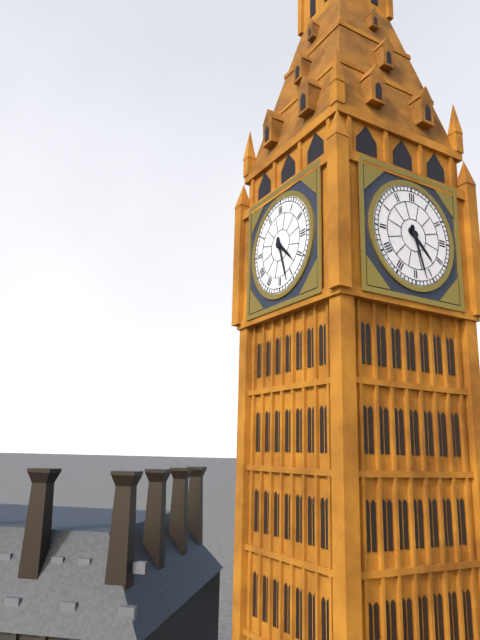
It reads 4h27
